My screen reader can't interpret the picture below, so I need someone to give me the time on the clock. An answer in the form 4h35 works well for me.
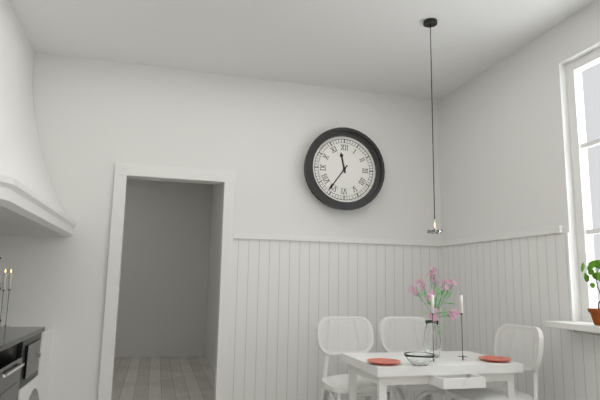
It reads 11h36
